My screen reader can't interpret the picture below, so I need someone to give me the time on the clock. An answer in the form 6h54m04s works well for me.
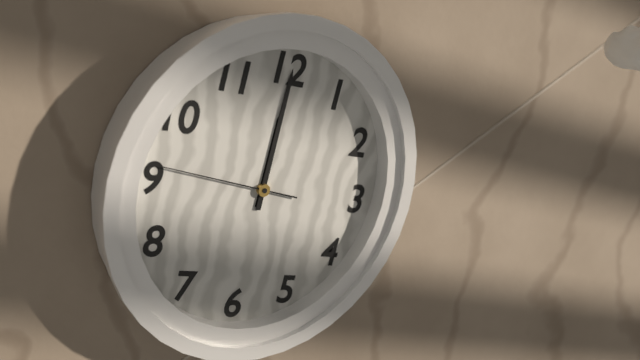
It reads 12h00m46s
